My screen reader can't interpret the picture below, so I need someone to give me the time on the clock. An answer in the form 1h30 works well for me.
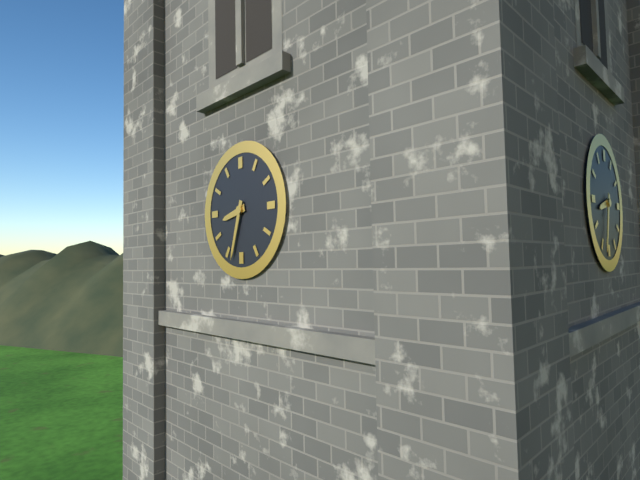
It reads 8h33
